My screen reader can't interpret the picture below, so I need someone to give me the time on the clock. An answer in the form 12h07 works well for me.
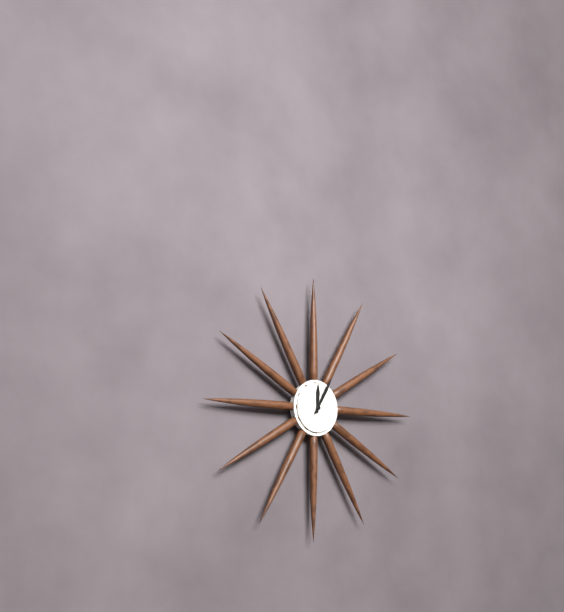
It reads 12h05
